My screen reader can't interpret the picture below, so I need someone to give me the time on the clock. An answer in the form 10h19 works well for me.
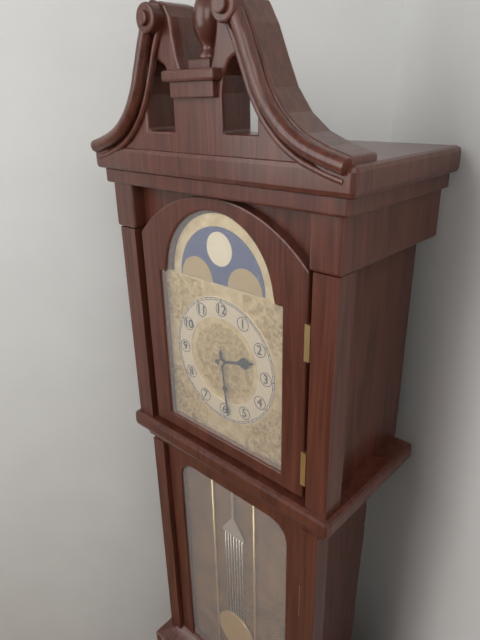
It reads 2h29
